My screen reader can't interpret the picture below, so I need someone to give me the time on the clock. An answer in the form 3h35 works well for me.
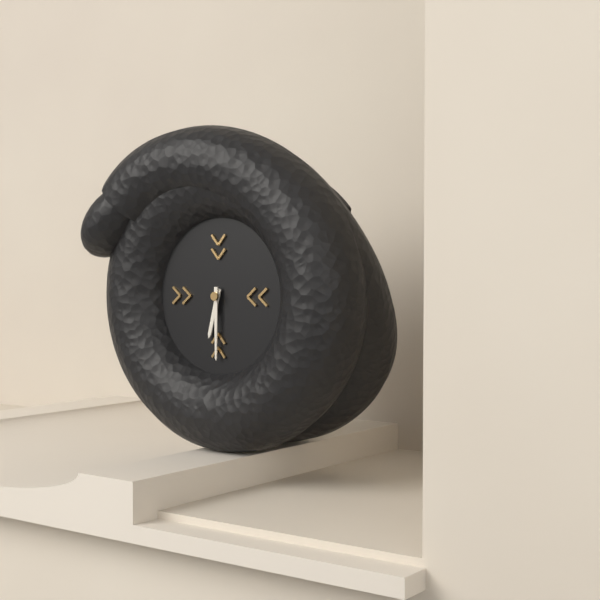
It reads 6h30
